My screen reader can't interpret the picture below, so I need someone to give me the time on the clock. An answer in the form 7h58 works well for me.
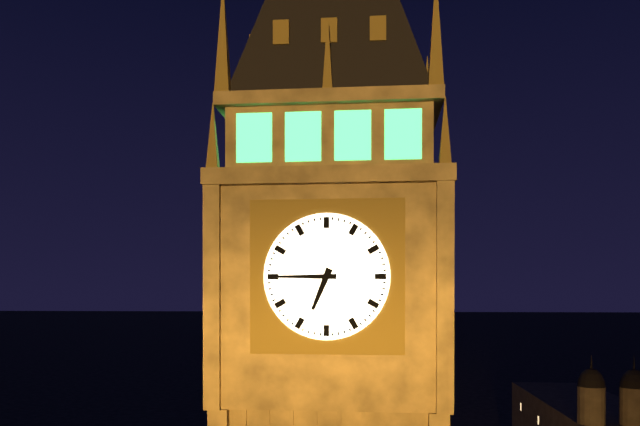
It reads 6h45
